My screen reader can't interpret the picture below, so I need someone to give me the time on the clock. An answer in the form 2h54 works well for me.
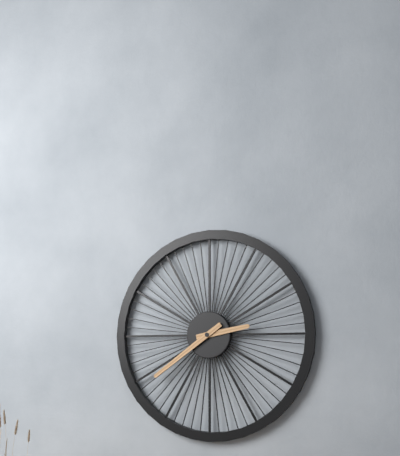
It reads 2h39
